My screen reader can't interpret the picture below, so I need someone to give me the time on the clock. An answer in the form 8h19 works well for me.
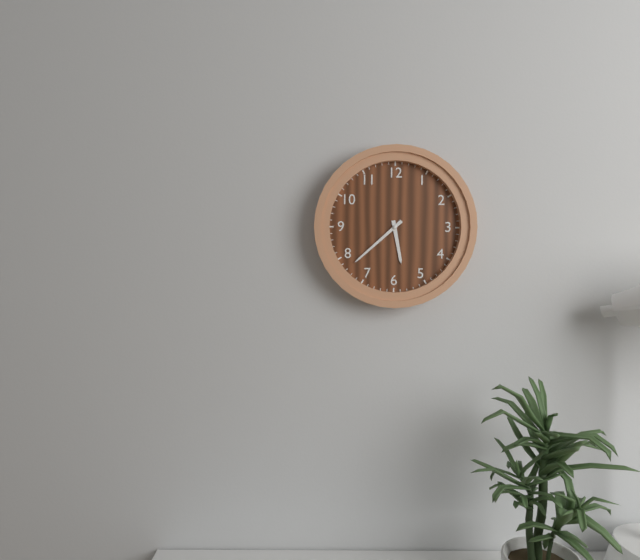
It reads 5h38
